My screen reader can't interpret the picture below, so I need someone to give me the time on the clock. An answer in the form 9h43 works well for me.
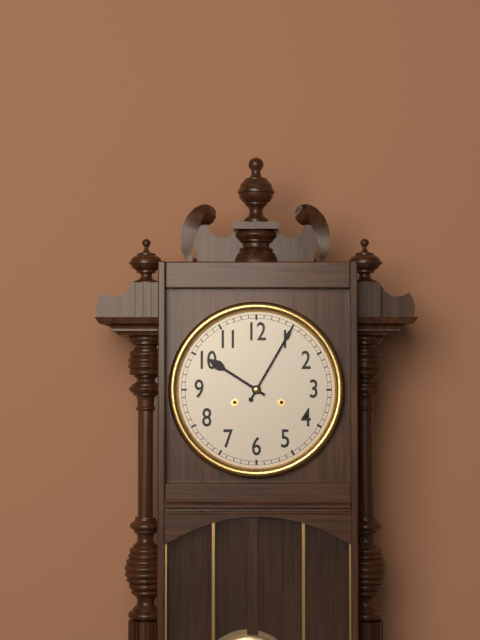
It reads 10h05
